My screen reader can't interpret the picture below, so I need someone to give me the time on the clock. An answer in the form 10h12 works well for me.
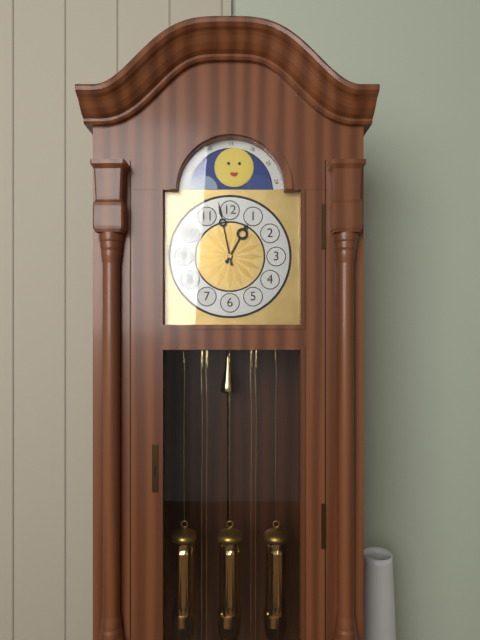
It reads 12h58
